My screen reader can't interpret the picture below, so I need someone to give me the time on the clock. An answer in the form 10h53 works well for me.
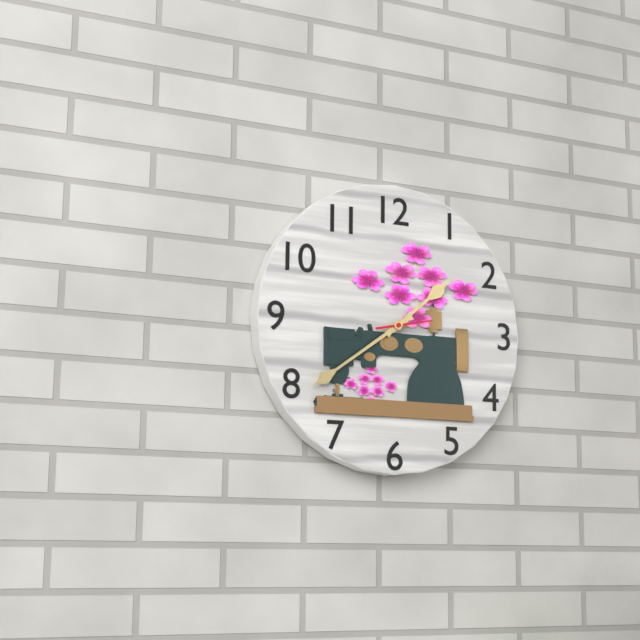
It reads 1h39
